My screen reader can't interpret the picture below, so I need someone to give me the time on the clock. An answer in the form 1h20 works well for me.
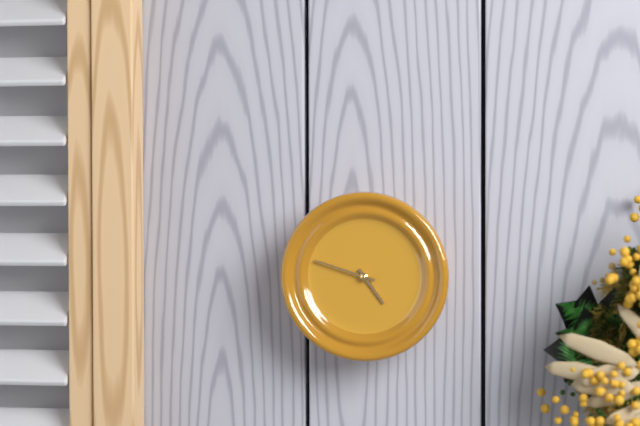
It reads 4h48
